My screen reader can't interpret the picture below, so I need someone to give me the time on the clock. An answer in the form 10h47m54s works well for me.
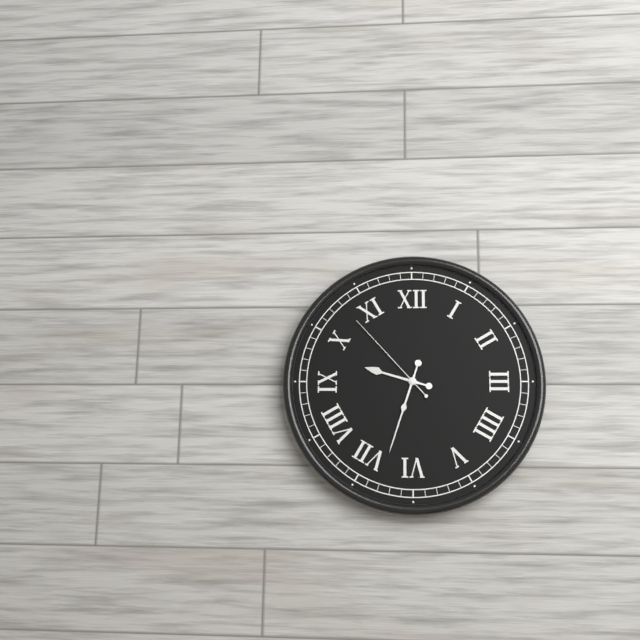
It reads 9h33m53s
